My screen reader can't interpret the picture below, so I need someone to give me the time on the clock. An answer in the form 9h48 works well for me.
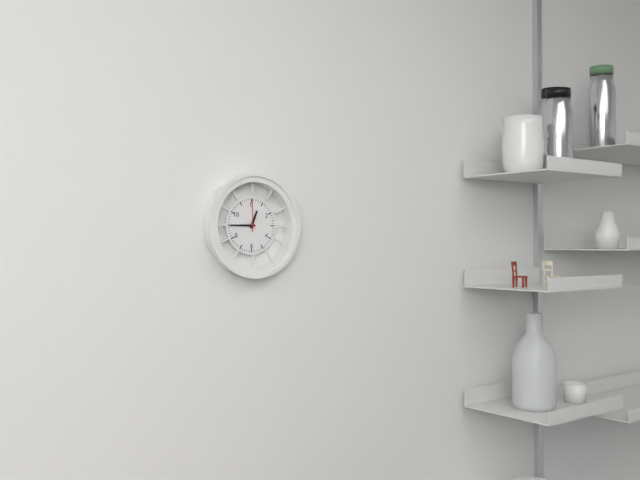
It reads 12h45
